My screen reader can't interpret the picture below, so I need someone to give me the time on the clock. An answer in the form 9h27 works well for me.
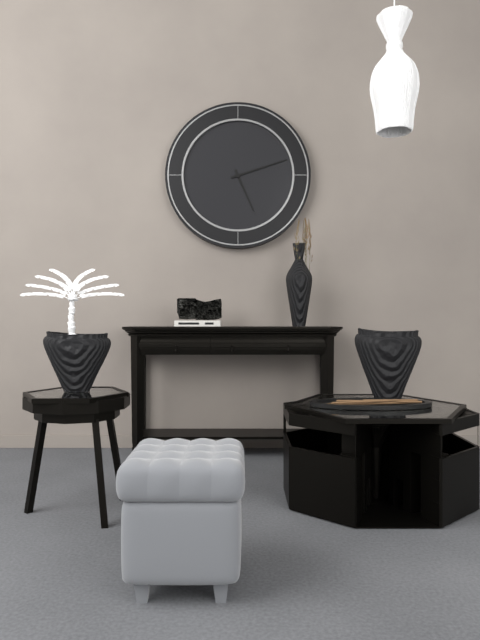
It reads 5h12
